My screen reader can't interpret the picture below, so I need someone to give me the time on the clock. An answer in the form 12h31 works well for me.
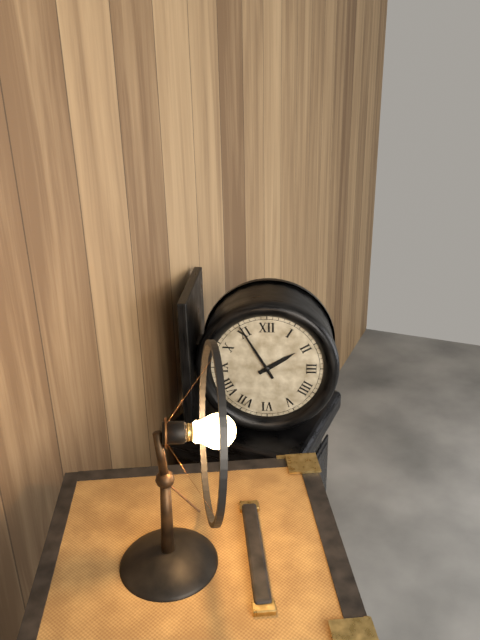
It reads 1h55
